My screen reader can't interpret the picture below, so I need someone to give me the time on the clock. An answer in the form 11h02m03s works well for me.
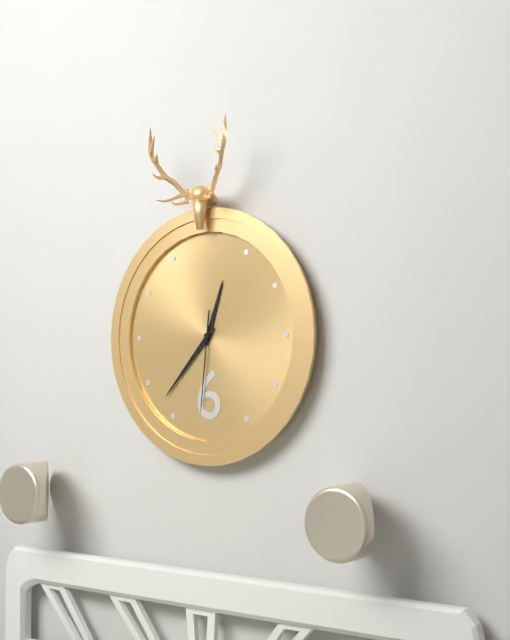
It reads 12h37m31s
